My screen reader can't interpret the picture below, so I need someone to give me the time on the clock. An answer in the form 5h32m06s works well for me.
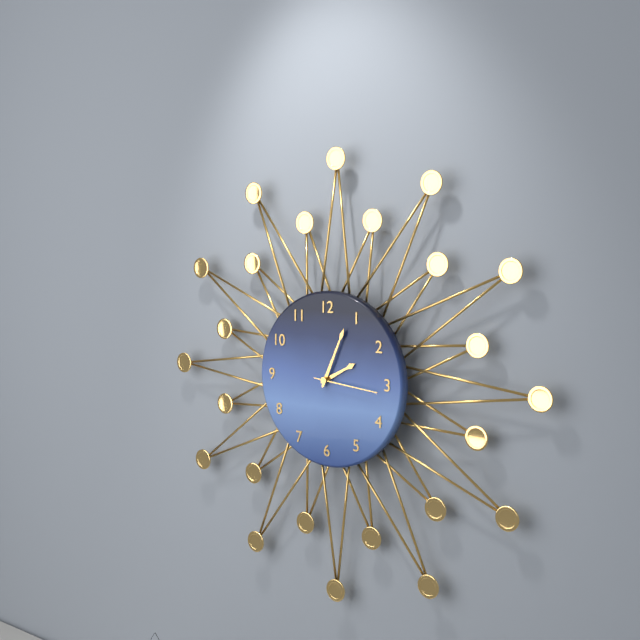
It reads 2h04m16s
